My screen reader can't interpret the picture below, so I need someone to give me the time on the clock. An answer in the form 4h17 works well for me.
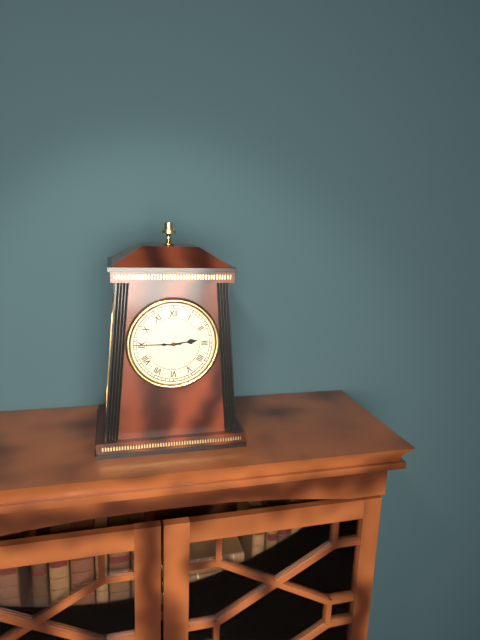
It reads 2h45
